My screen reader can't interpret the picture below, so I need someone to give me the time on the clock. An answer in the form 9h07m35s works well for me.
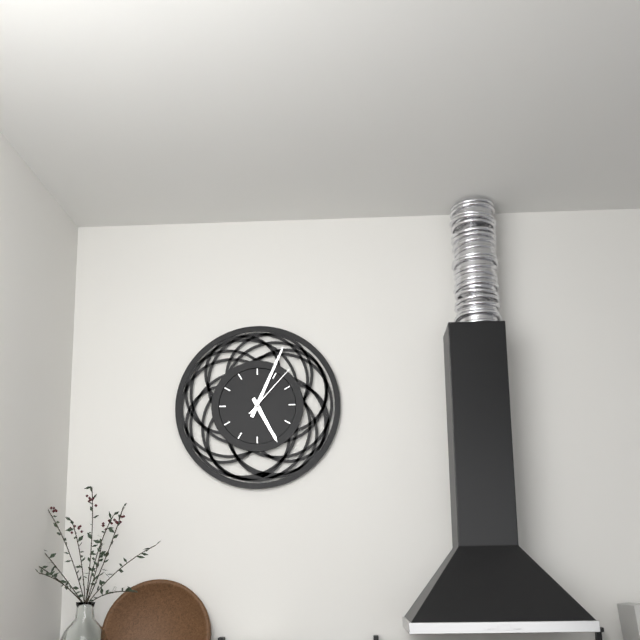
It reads 5h04m07s
